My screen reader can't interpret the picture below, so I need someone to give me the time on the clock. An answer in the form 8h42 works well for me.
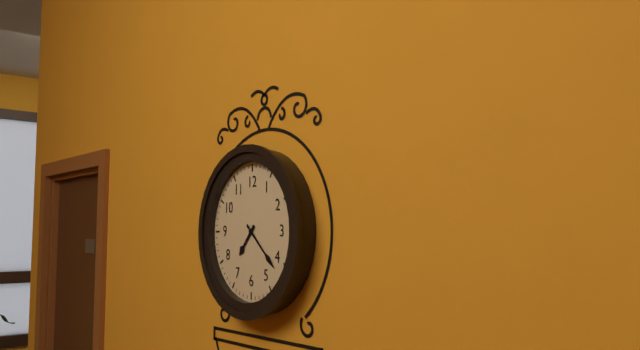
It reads 7h22
